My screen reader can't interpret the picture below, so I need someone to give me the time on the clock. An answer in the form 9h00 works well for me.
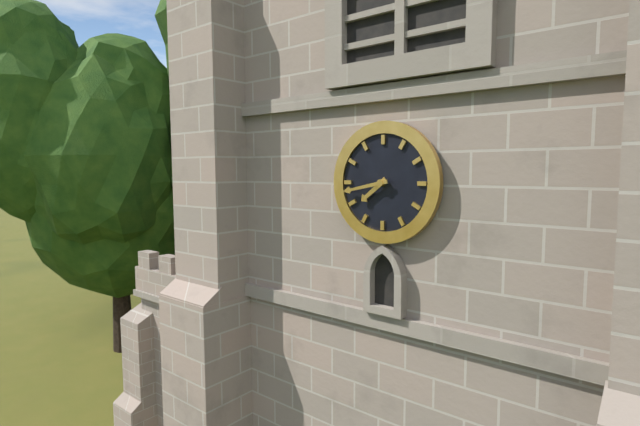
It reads 7h43
